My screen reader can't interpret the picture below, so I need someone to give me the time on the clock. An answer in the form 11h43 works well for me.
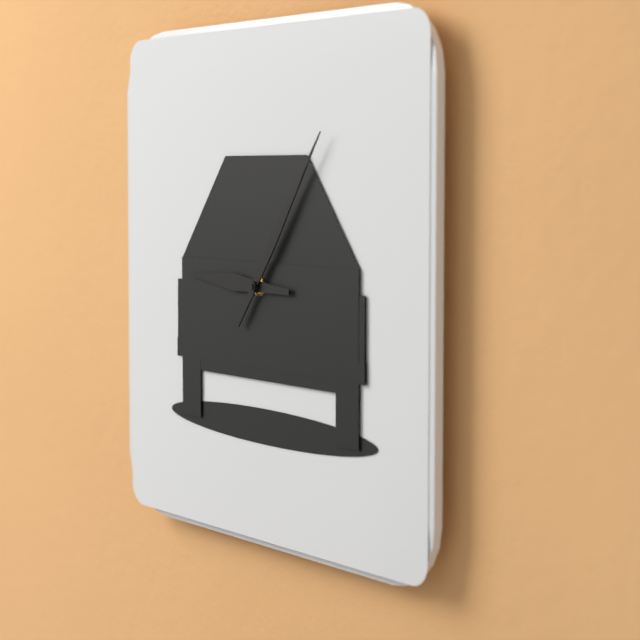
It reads 9h06
